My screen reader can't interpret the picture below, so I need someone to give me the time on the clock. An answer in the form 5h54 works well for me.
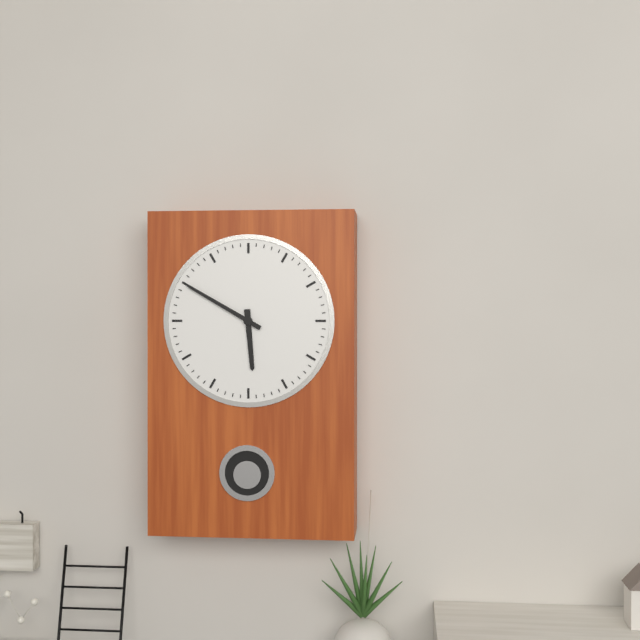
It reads 5h50
